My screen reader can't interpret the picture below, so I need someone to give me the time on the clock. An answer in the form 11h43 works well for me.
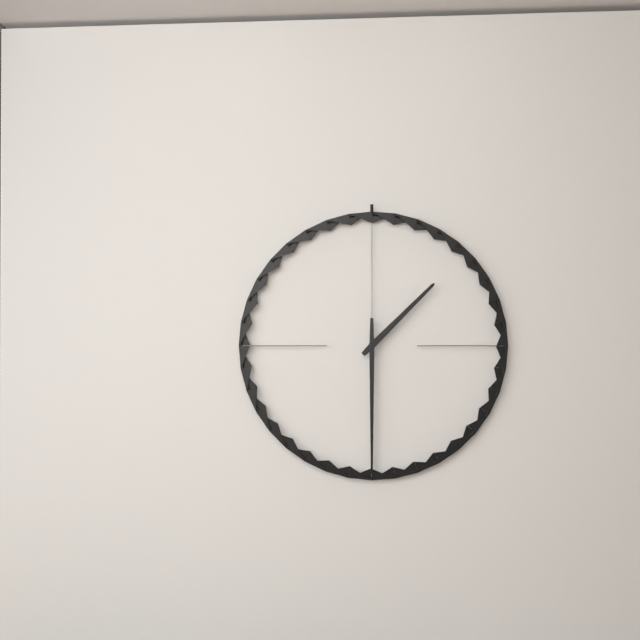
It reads 1h30
